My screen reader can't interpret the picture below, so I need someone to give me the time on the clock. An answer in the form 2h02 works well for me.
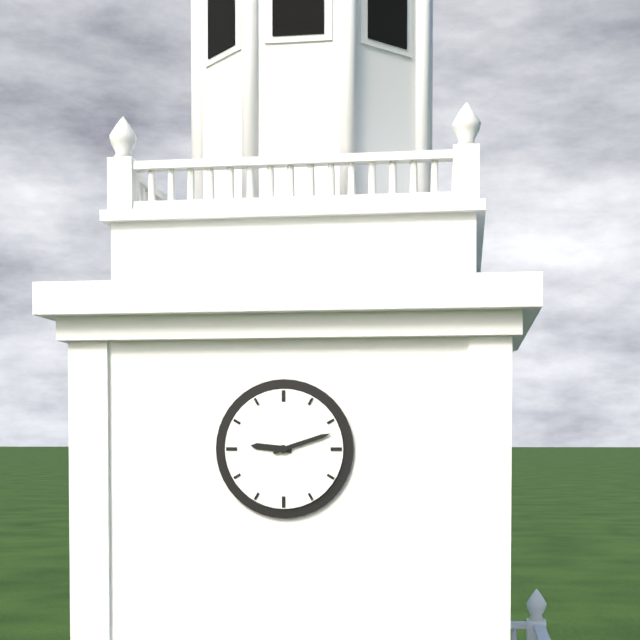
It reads 9h12
